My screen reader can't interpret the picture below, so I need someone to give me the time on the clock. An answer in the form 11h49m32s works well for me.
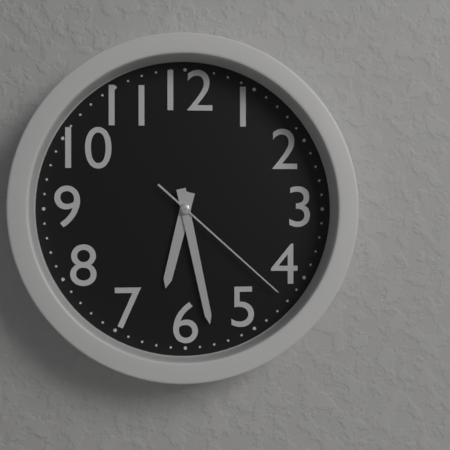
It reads 6h28m22s
